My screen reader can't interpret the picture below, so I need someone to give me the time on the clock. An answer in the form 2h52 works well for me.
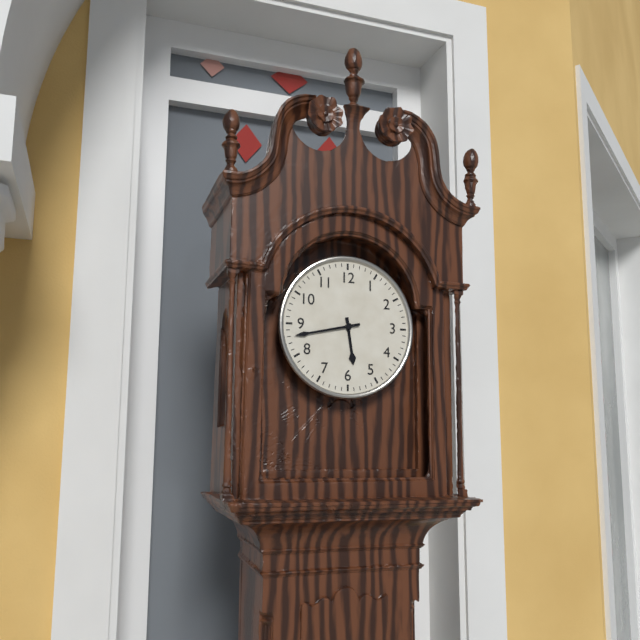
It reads 5h43
